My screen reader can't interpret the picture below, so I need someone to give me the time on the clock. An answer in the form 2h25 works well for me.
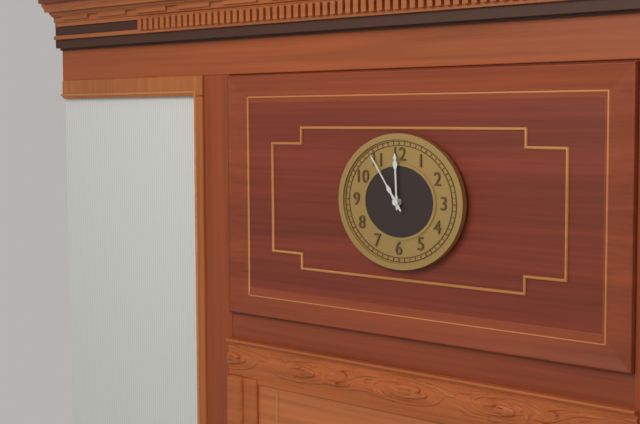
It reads 11h54
